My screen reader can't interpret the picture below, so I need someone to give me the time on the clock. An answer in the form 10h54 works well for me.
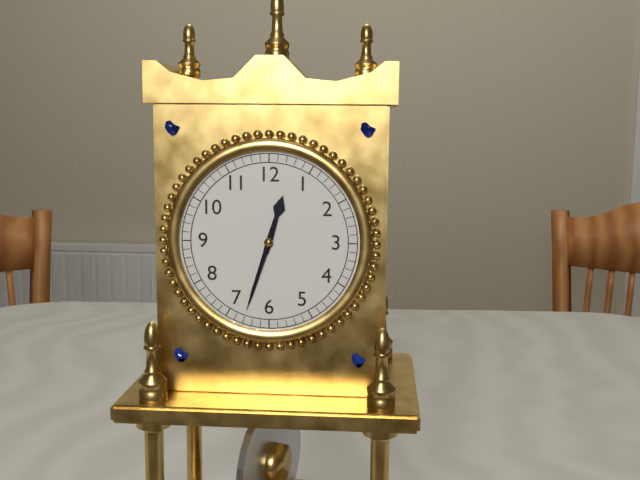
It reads 12h33
